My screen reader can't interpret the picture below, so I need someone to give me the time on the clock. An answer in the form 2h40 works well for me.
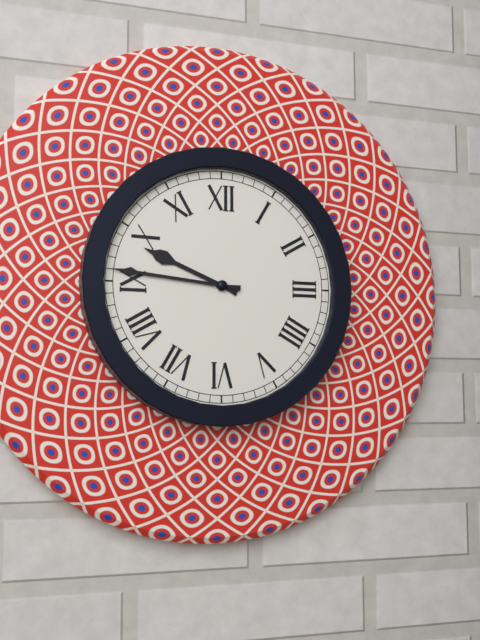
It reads 9h46
